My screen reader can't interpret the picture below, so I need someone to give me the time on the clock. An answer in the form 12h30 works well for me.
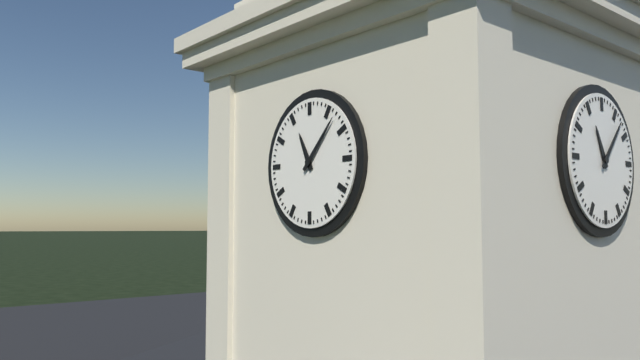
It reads 11h07
